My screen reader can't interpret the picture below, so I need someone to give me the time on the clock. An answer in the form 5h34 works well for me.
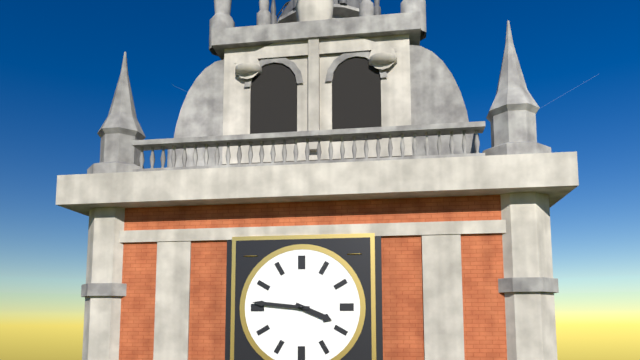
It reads 3h46
